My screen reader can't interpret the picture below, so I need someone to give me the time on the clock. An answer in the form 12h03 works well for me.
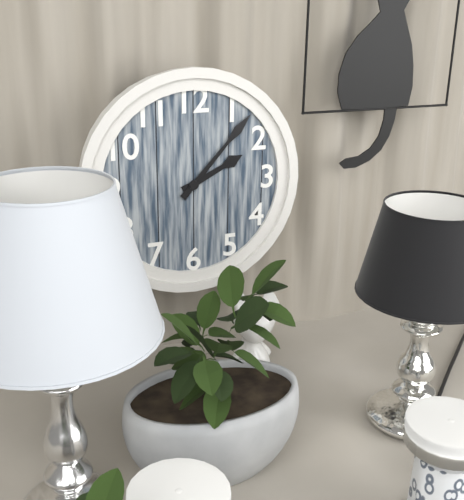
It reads 2h07
